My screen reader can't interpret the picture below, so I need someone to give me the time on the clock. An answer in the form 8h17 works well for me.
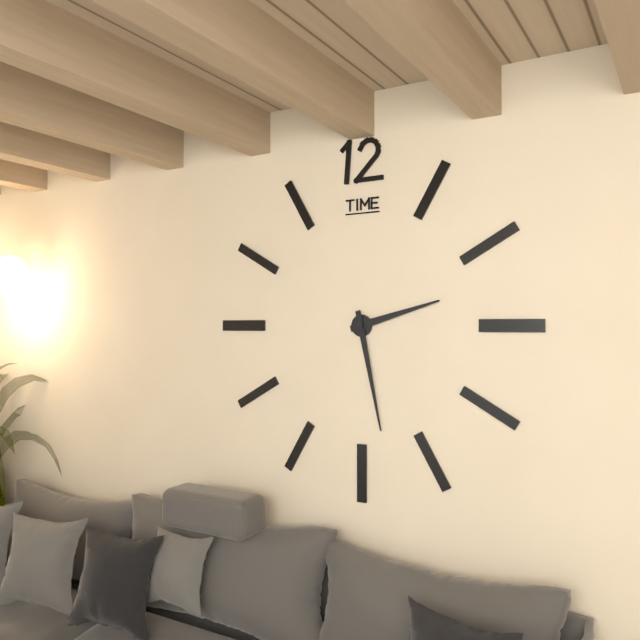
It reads 2h28
